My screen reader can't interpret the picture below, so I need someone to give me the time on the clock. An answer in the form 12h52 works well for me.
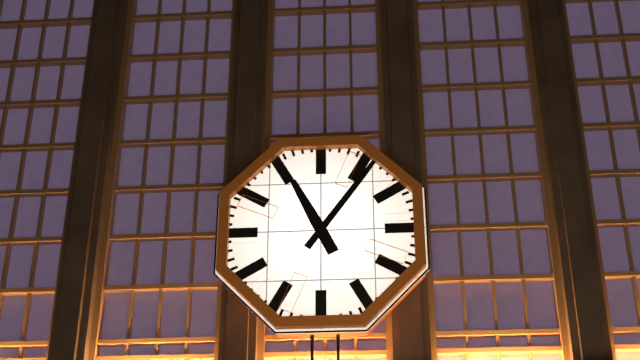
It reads 11h06
